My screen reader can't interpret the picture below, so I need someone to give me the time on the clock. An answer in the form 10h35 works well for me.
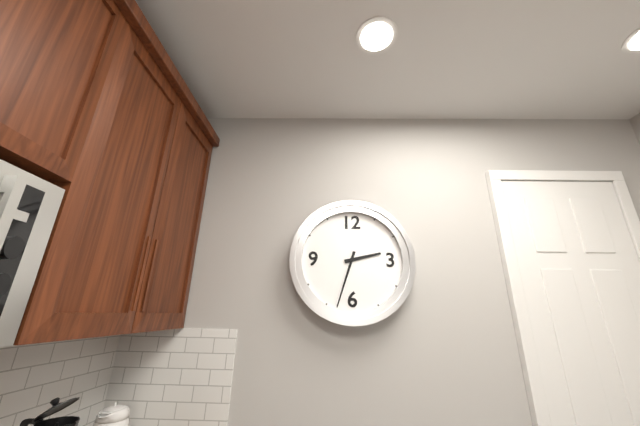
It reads 2h33
